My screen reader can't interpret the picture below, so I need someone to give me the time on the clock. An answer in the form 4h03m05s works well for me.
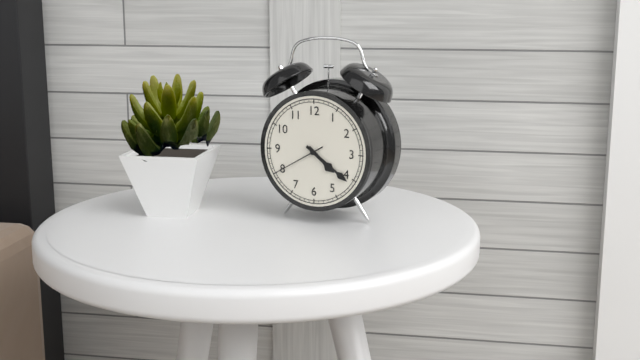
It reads 4h21m40s
